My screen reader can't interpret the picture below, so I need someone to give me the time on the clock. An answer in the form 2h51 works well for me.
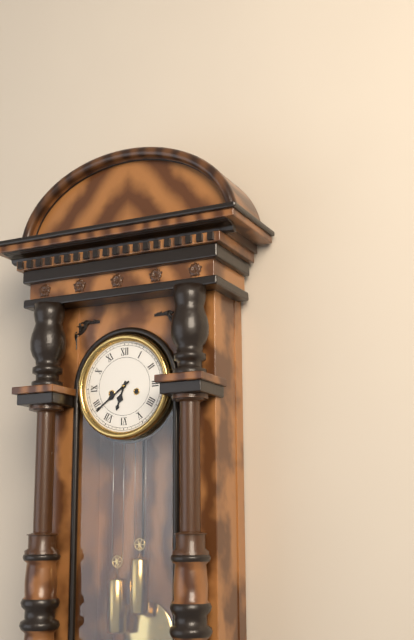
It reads 6h39
